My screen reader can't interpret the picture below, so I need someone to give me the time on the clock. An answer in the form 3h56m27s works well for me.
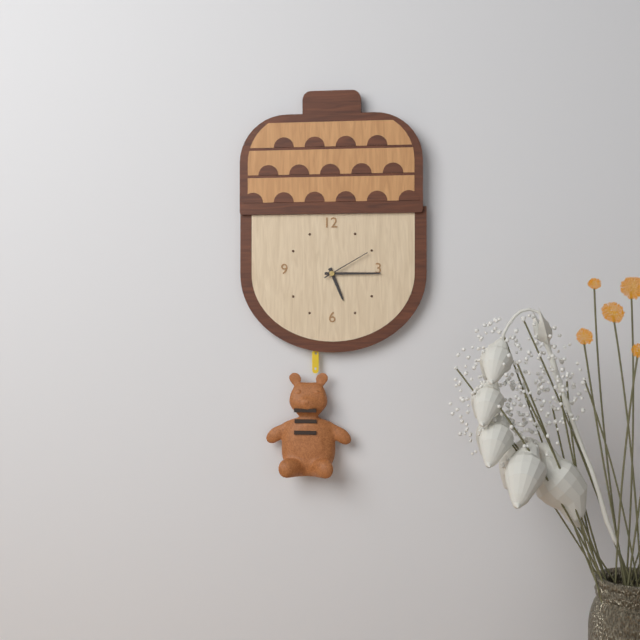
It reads 5h15m10s
